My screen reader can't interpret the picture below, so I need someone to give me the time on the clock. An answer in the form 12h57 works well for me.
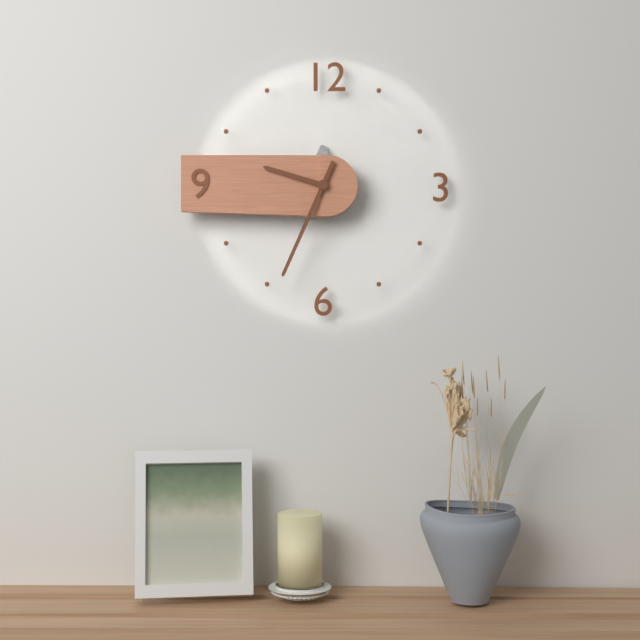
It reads 9h34
